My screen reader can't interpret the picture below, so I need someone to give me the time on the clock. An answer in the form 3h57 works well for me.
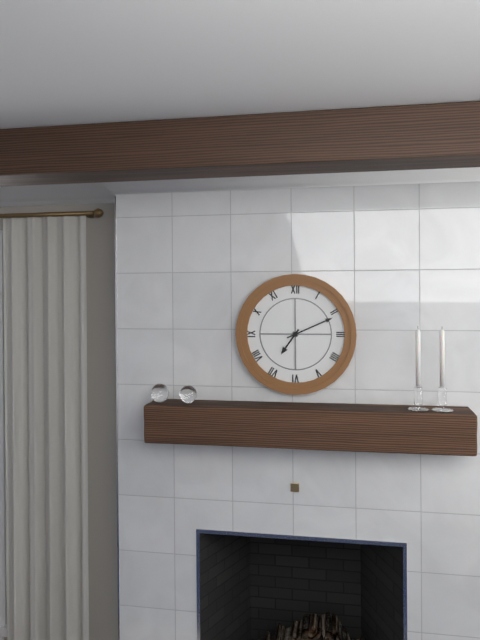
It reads 7h11
